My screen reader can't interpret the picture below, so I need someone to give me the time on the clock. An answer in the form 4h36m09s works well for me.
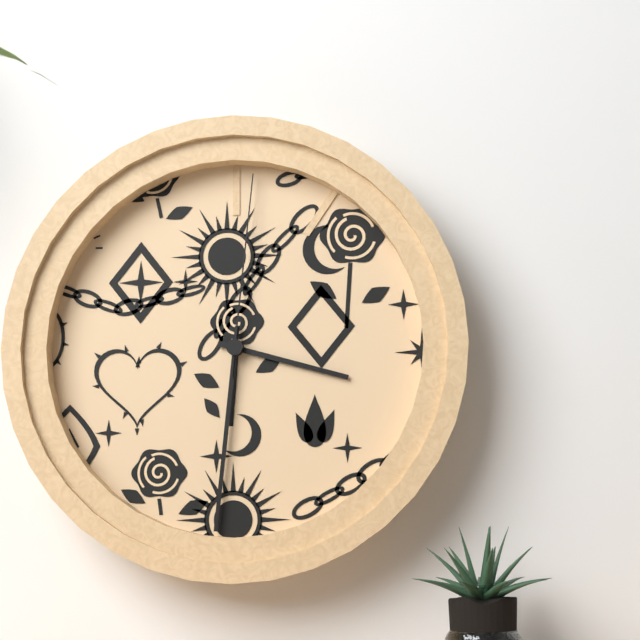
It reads 3h31m01s
